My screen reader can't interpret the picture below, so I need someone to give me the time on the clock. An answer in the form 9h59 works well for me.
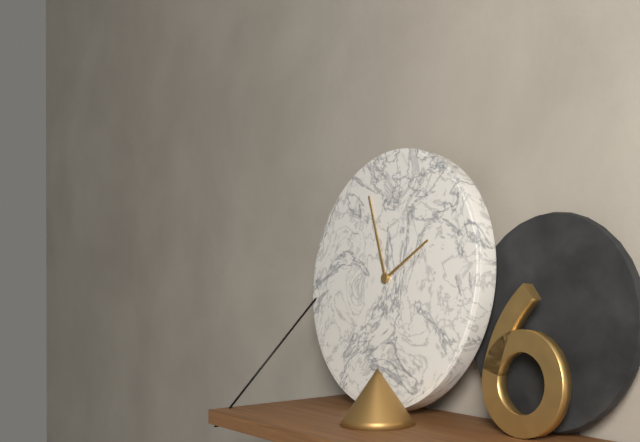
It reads 1h56
